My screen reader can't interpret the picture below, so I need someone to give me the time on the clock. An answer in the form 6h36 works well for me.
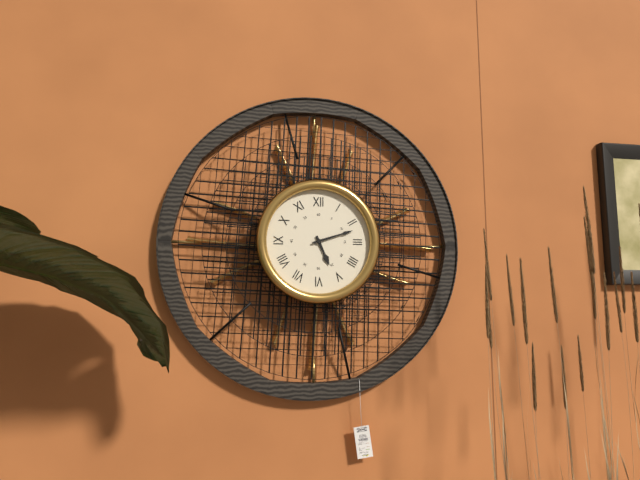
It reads 5h12
